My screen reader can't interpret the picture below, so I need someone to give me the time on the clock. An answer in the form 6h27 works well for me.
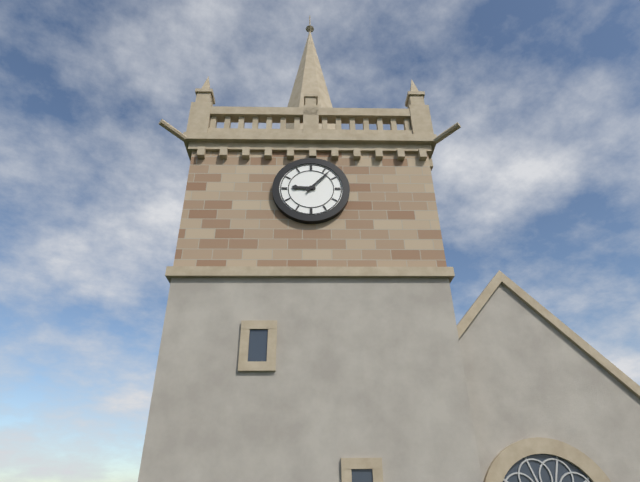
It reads 9h07
